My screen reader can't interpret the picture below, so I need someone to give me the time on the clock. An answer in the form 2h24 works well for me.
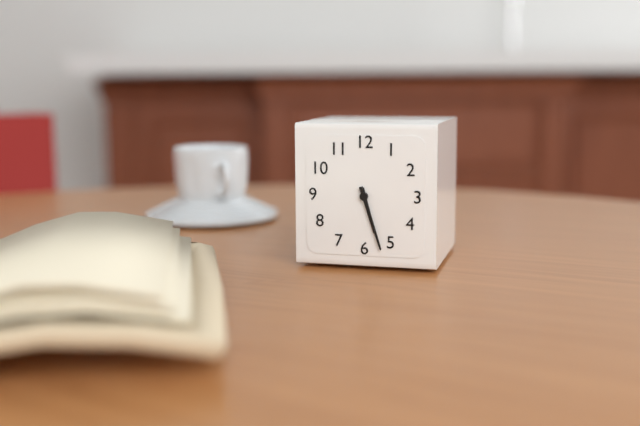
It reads 5h27
